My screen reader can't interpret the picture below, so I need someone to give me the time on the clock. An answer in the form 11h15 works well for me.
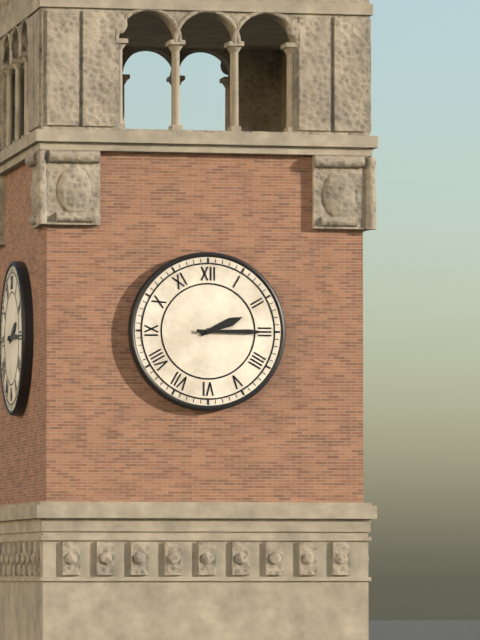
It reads 2h15
